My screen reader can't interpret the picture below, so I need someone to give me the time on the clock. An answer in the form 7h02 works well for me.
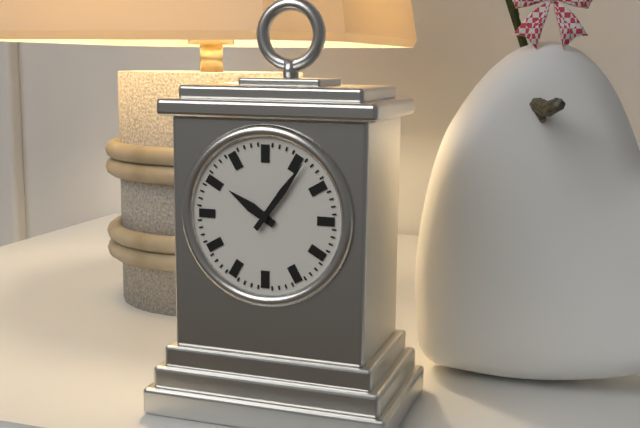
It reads 10h06
